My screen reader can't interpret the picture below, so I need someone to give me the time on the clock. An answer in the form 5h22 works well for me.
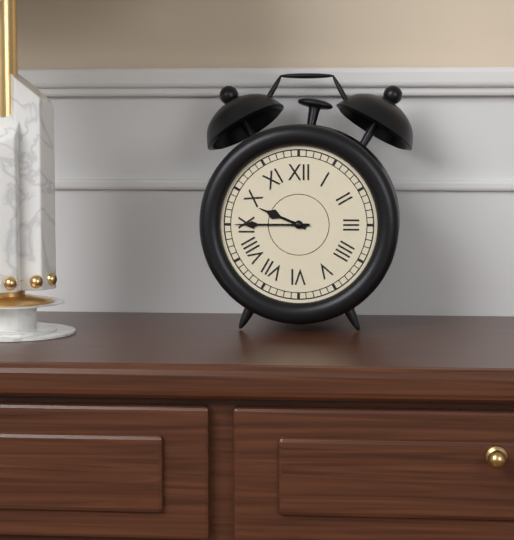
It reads 9h45
